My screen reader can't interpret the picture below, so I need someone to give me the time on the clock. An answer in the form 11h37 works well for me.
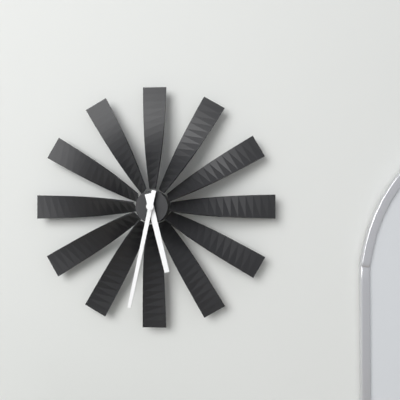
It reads 5h32
